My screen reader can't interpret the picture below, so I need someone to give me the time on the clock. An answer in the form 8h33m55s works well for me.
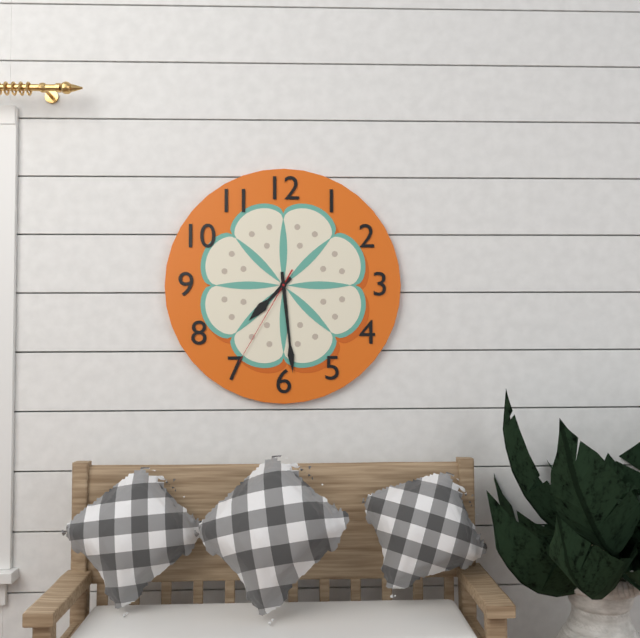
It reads 7h29m35s
